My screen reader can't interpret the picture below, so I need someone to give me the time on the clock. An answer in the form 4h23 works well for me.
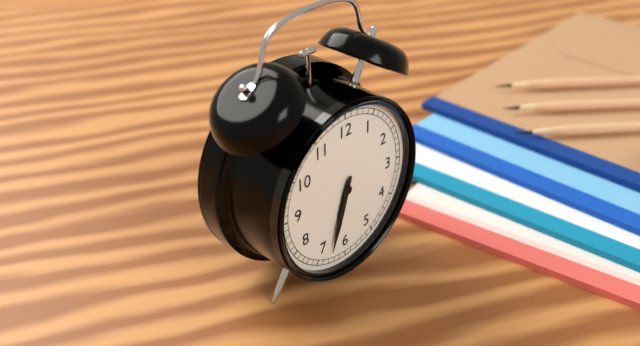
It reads 6h33
